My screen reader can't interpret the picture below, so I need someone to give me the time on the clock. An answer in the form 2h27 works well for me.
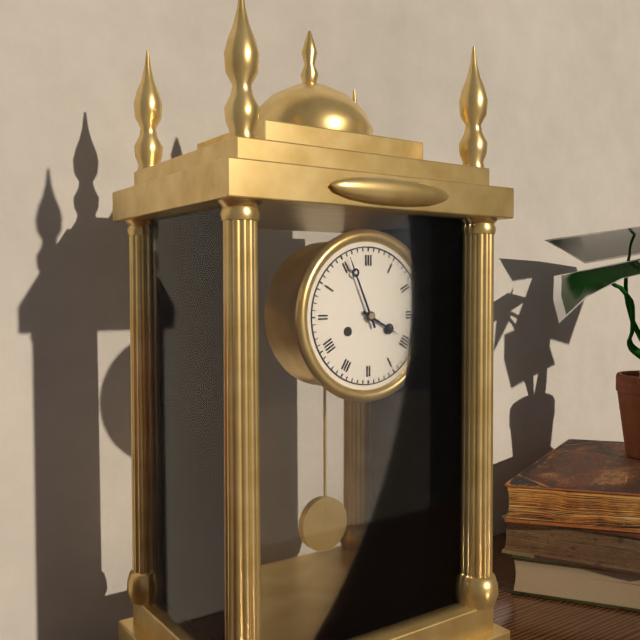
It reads 3h56
